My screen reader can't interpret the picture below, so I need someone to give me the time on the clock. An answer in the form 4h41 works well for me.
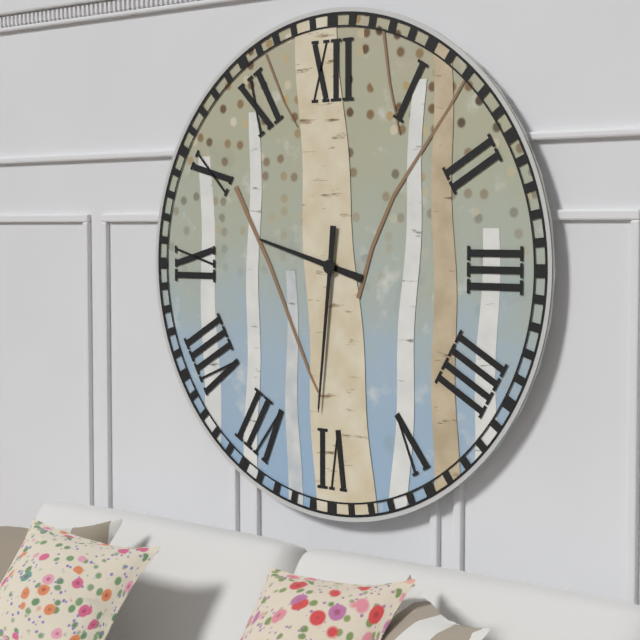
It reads 9h31
